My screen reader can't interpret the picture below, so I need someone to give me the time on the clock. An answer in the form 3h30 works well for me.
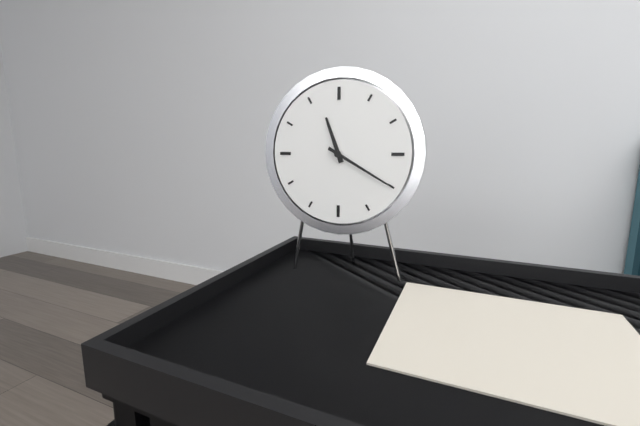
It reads 11h20
